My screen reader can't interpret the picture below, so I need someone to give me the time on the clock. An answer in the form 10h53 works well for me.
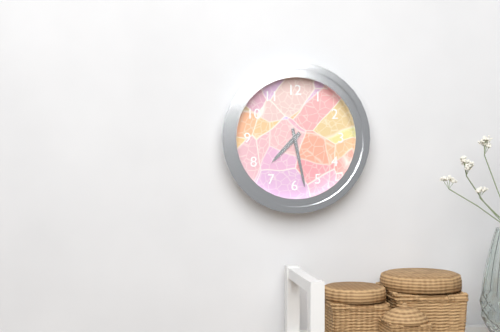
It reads 7h28
